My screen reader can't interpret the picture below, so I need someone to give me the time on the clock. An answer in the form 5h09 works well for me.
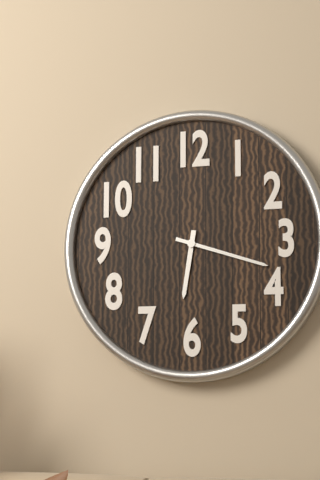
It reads 6h18
